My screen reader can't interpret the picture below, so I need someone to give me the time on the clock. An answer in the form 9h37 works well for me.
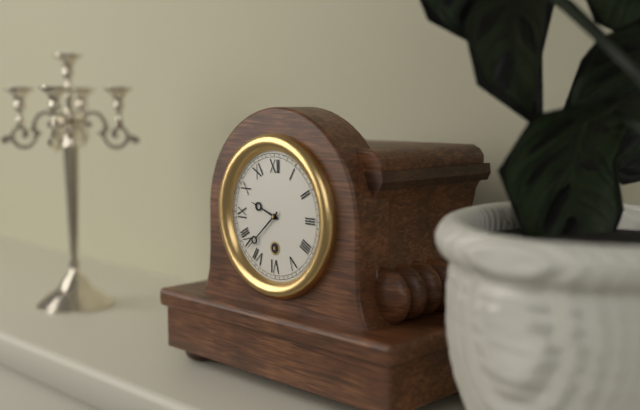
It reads 9h38
